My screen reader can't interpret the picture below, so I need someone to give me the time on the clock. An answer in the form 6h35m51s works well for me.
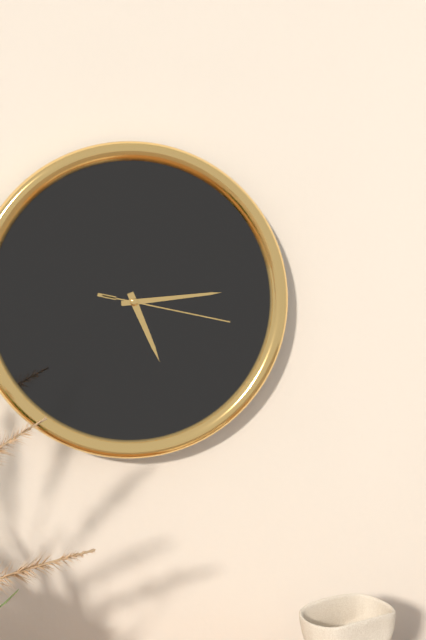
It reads 5h14m17s
